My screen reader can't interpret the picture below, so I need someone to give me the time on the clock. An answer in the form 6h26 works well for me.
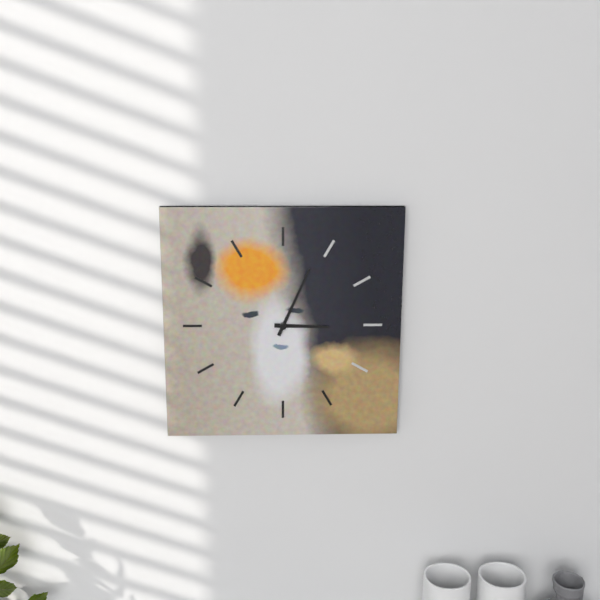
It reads 3h04
